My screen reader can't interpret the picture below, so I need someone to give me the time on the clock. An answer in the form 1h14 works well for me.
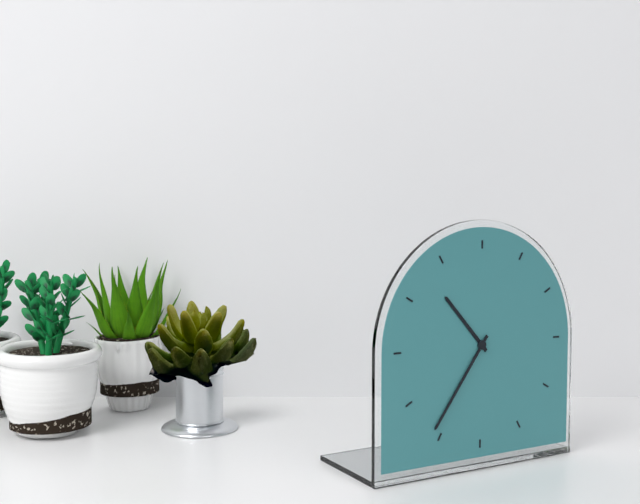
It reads 10h36
